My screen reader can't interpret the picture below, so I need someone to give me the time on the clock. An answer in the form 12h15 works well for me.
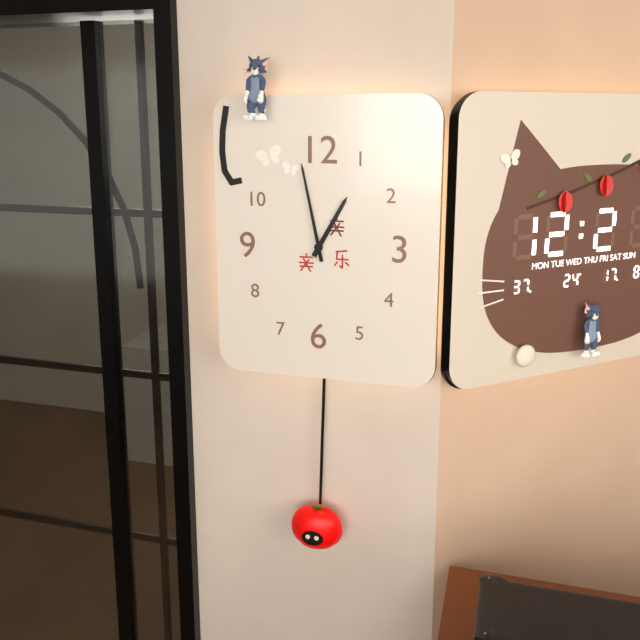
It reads 12h58
